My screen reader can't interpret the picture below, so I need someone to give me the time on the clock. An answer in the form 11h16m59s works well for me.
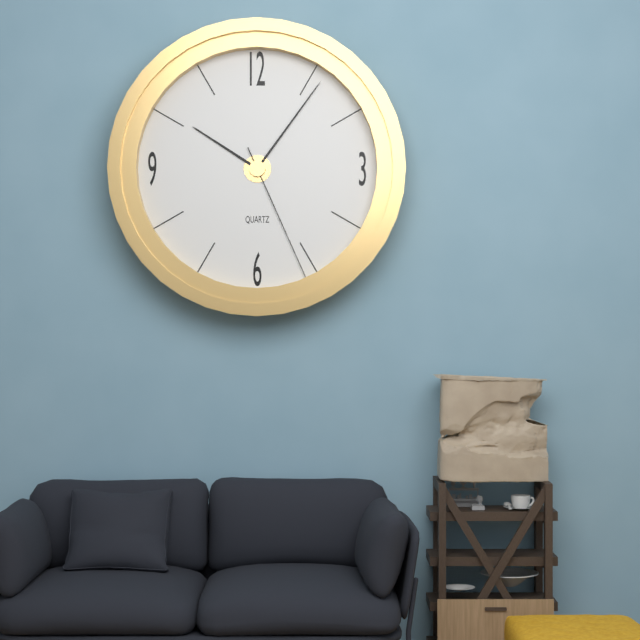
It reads 10h06m26s
